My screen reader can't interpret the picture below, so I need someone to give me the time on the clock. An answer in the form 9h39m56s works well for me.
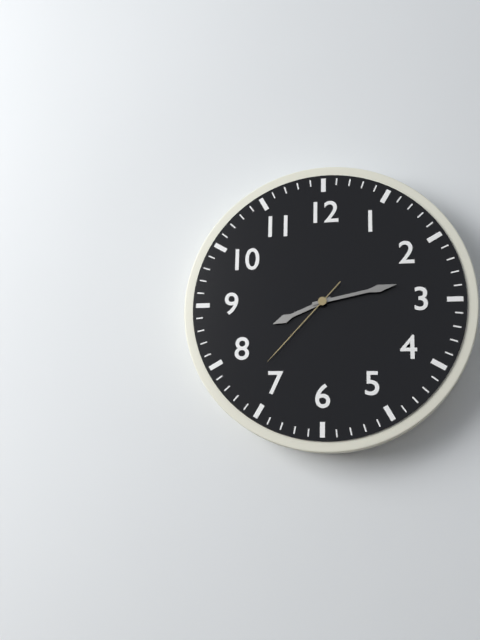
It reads 8h13m37s
